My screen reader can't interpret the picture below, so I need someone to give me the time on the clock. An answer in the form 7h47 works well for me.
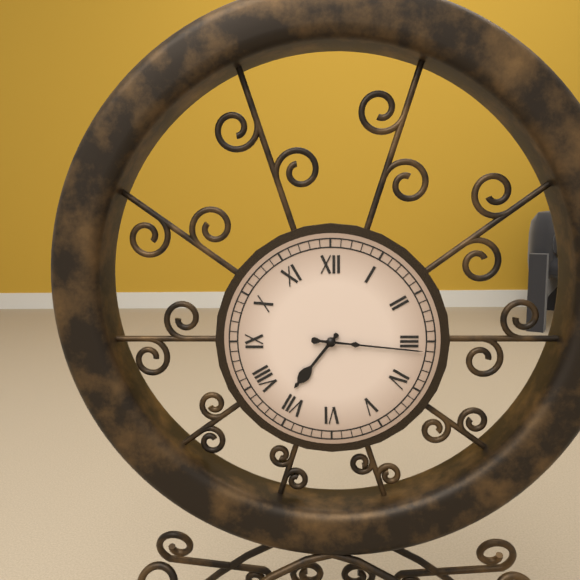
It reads 7h16
